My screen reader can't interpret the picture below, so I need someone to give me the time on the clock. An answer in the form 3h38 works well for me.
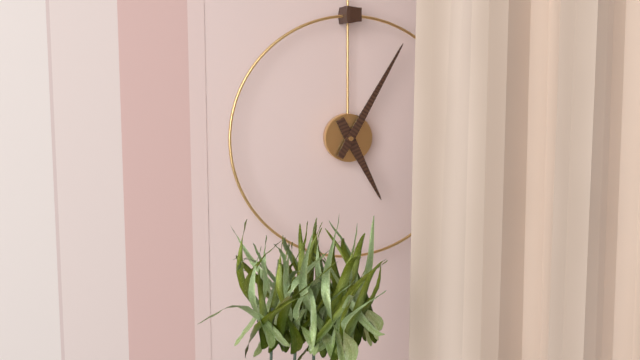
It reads 5h05
